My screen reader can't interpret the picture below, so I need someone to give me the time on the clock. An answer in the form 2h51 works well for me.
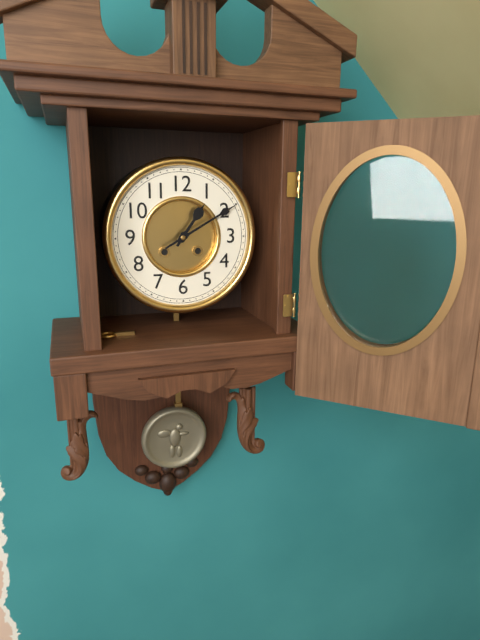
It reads 1h10
